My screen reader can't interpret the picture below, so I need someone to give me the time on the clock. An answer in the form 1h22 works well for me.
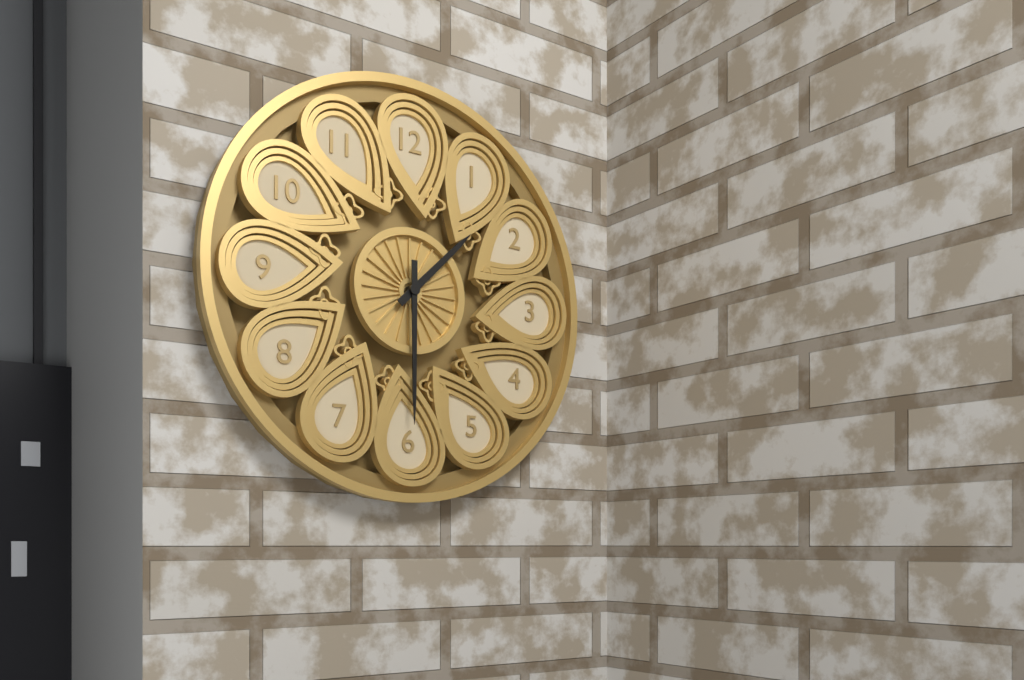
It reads 1h30
